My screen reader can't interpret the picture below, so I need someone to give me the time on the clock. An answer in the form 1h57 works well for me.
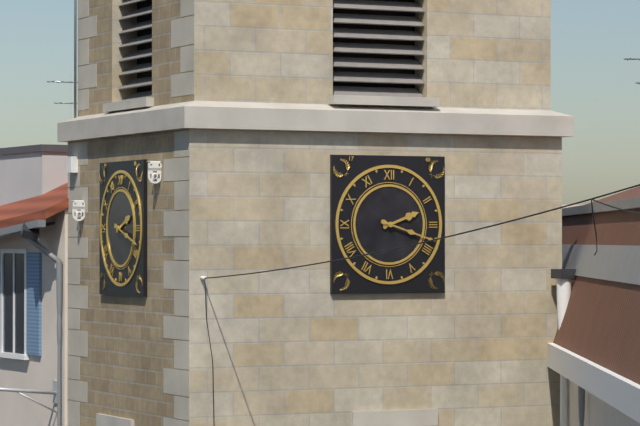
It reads 2h18
